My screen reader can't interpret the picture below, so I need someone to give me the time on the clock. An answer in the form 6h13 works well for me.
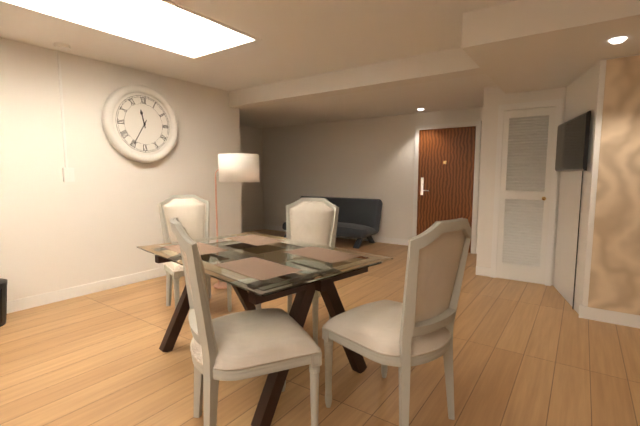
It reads 11h35
